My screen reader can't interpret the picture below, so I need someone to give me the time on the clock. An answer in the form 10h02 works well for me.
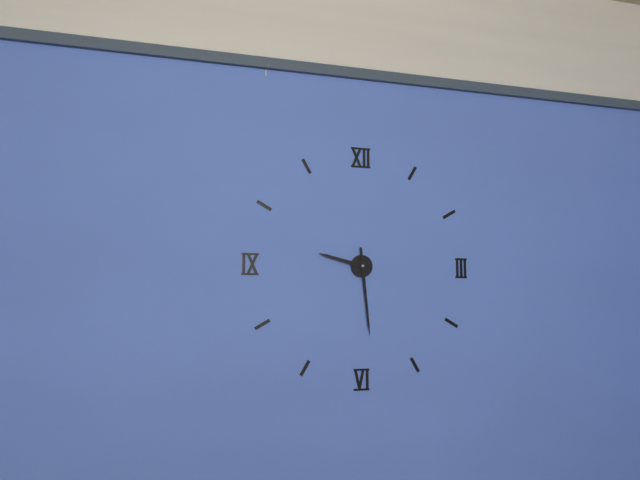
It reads 9h29
